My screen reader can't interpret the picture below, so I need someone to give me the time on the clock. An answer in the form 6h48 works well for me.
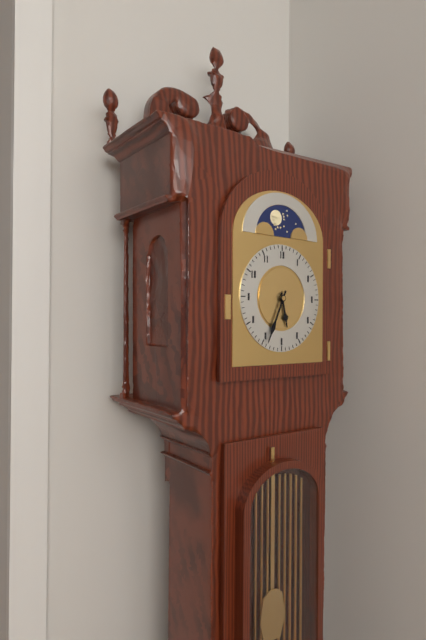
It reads 5h34
